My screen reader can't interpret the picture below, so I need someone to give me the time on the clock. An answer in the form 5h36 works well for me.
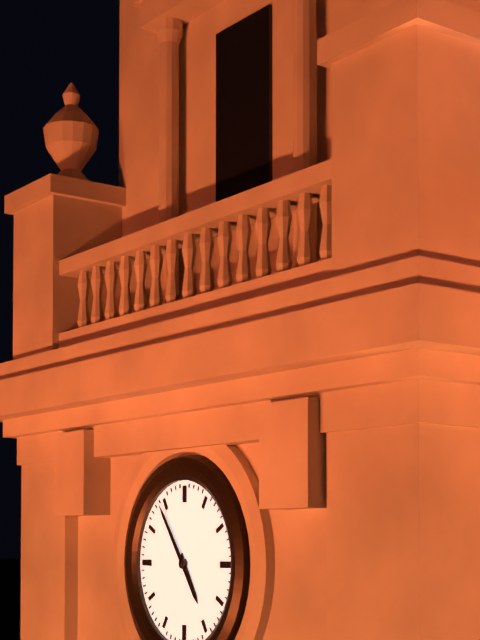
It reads 4h54
